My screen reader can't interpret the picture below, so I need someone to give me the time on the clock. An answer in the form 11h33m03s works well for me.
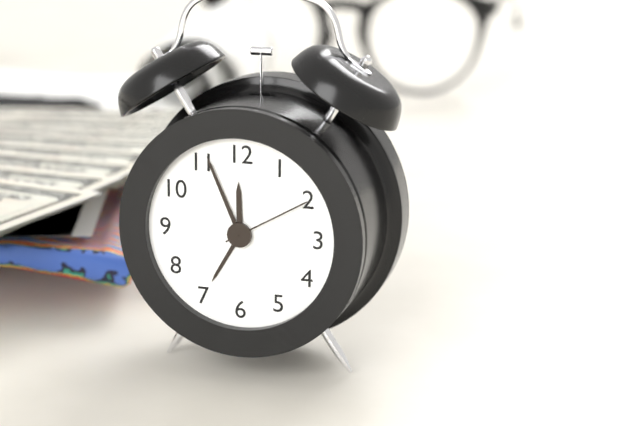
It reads 11h56m10s
